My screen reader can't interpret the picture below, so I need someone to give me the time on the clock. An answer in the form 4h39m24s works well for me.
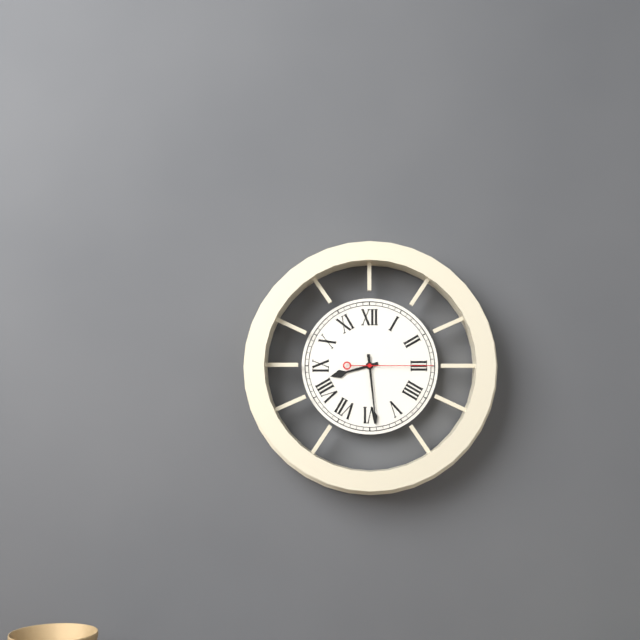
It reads 8h29m15s
